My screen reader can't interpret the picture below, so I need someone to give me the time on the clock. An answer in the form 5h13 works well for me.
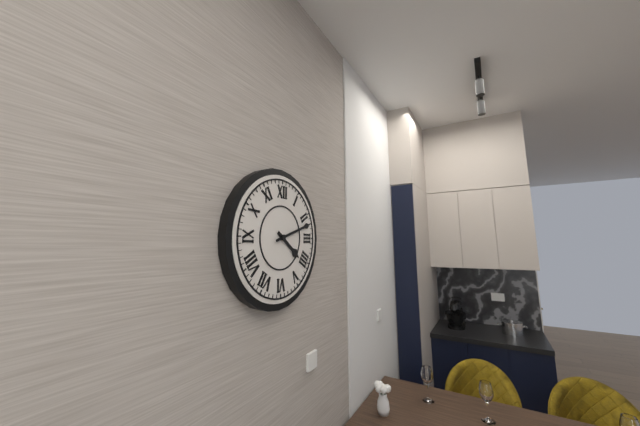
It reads 4h12
